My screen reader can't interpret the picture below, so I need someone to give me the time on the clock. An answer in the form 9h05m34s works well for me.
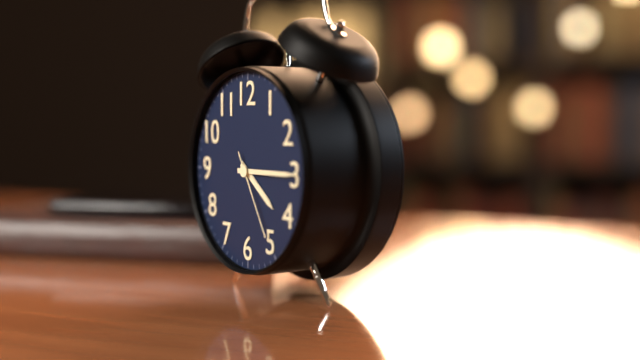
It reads 4h15m25s
